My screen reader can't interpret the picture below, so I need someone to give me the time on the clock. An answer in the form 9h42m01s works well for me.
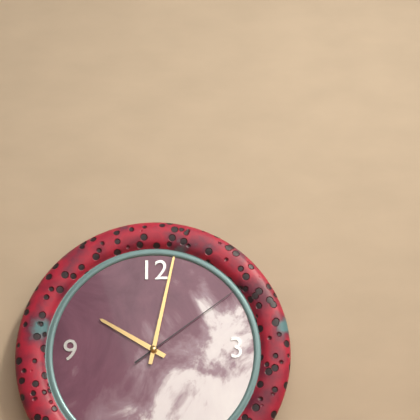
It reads 10h02m09s
